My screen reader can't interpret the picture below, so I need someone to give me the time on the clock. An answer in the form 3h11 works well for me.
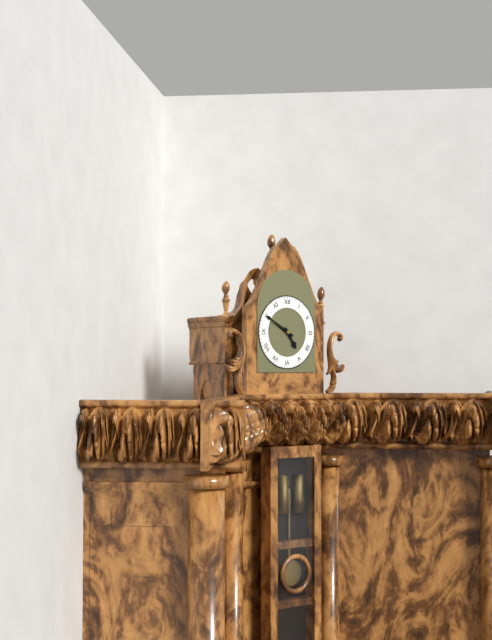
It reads 4h50
